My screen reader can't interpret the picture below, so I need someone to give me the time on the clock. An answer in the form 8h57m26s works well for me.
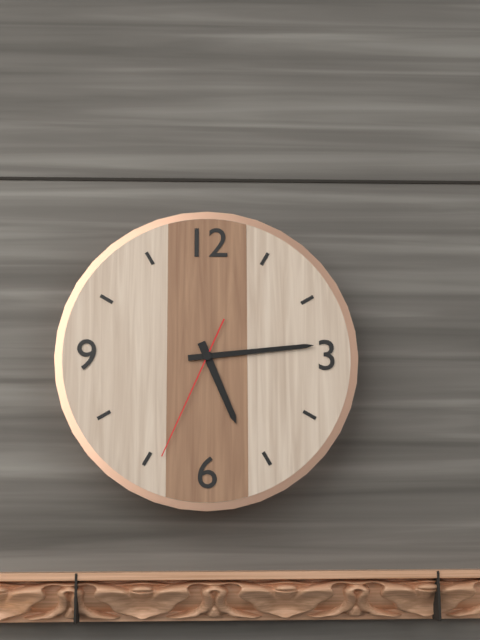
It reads 5h14m34s
